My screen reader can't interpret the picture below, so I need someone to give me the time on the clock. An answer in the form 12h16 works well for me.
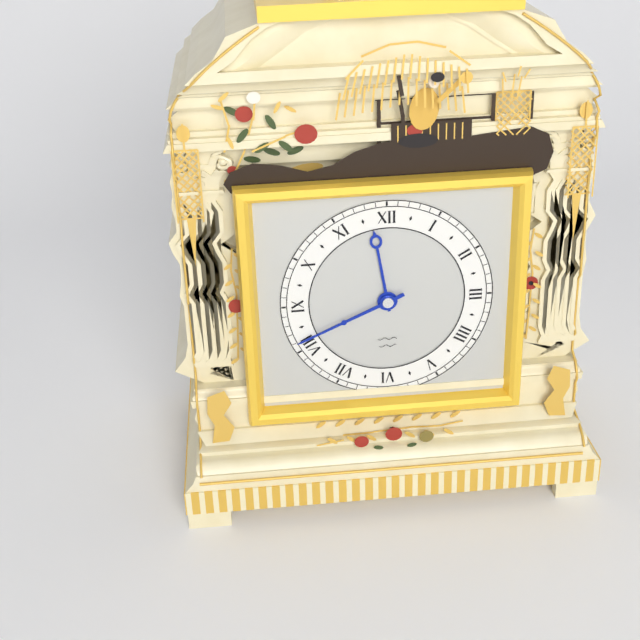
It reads 11h41
